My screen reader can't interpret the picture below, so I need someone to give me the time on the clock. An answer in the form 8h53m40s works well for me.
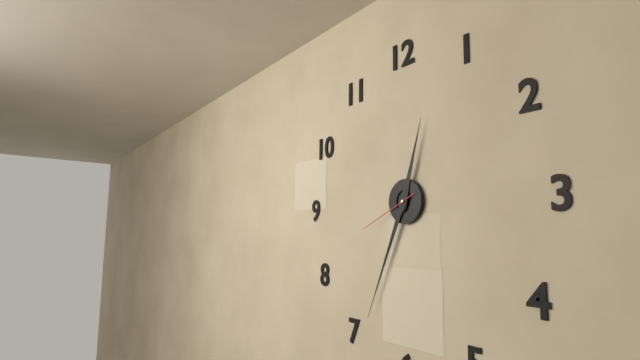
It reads 12h34m41s
